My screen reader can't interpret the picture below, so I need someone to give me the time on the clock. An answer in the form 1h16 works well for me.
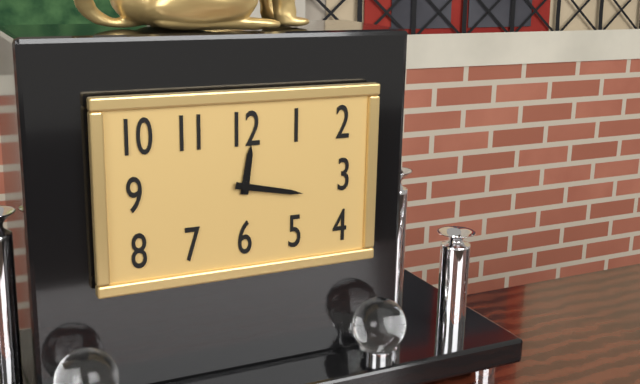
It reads 12h17
